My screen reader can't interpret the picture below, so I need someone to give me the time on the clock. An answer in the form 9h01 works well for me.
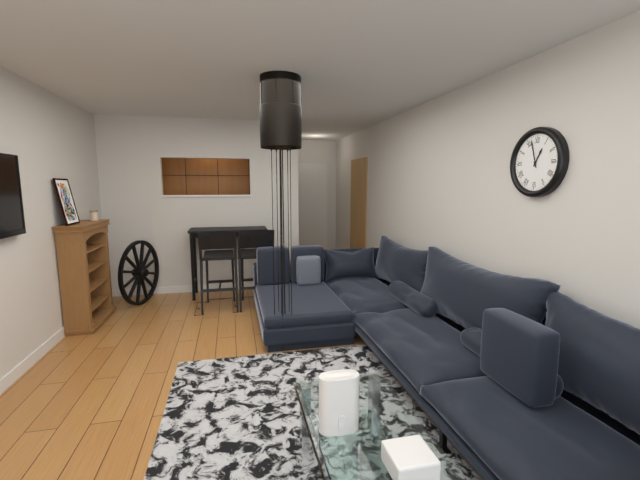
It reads 12h57
